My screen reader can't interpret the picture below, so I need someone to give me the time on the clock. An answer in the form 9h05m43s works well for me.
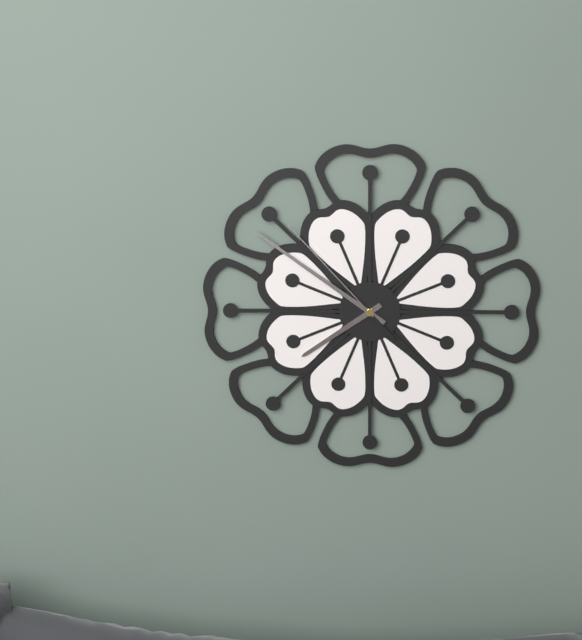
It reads 7h51m53s
